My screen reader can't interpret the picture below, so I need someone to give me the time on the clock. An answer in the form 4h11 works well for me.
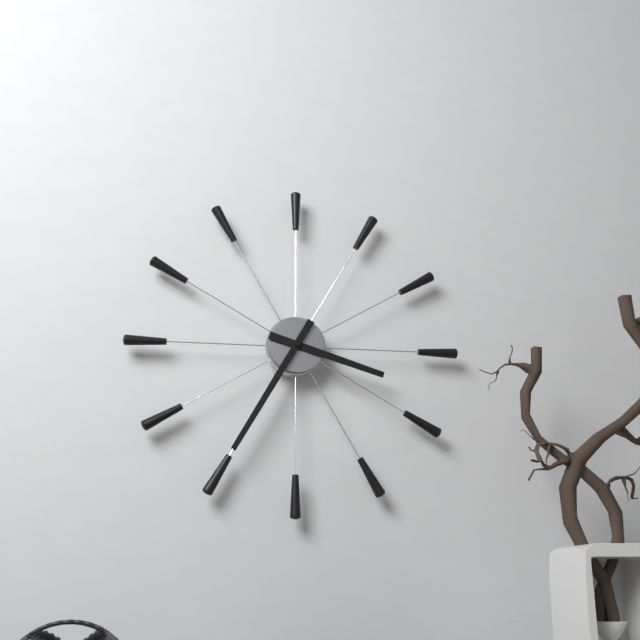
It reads 3h35
